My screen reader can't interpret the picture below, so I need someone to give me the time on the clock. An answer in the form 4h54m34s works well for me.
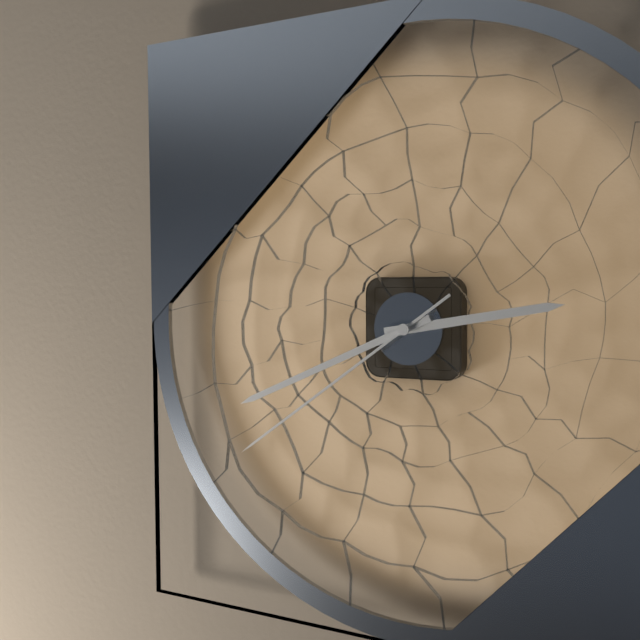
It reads 2h41m39s
